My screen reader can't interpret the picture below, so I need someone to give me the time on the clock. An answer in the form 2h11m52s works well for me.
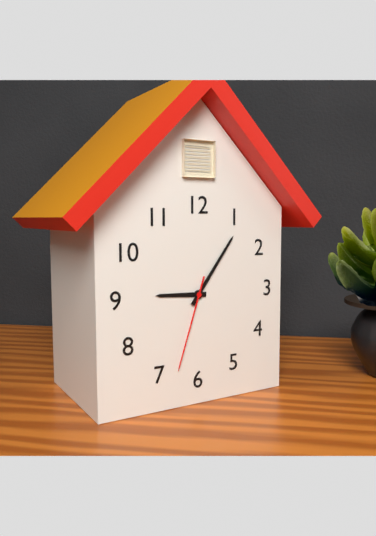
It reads 9h06m33s
